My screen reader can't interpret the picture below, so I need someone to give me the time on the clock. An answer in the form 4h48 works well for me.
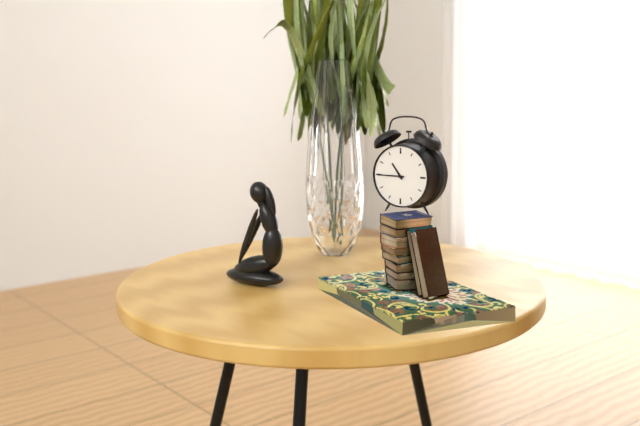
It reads 10h45
